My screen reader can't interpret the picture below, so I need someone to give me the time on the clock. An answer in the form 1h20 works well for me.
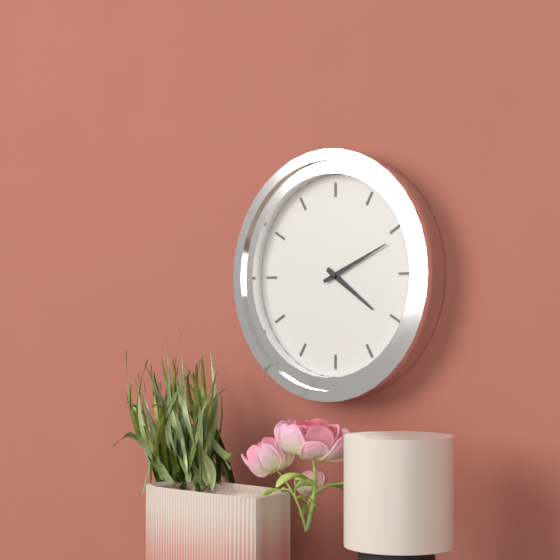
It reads 4h11
